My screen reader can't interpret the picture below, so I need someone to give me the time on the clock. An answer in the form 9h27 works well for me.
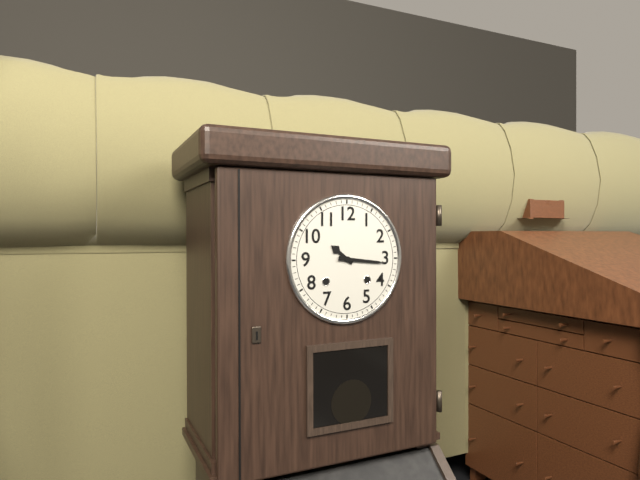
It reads 10h16
